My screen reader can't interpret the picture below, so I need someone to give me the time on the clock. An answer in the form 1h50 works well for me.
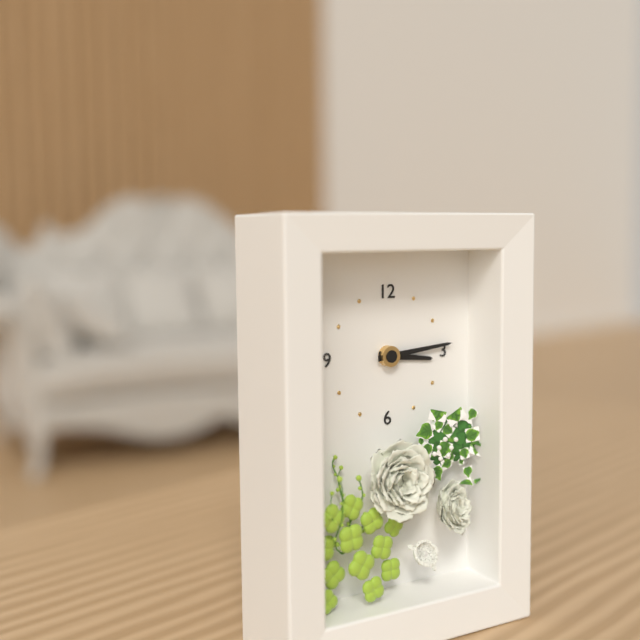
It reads 3h14
